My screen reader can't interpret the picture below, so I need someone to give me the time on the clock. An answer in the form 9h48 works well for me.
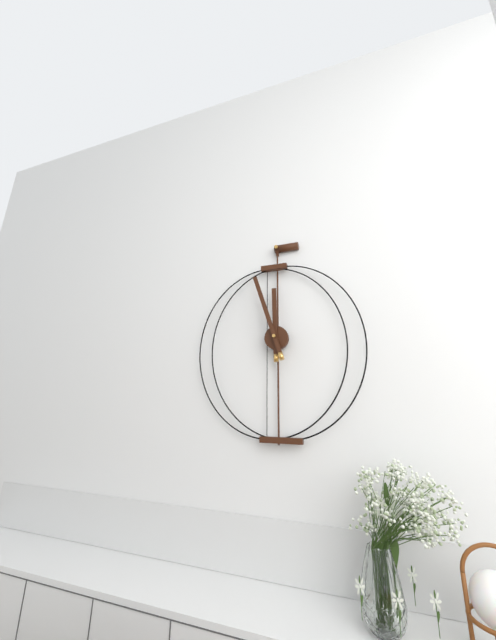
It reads 11h57
